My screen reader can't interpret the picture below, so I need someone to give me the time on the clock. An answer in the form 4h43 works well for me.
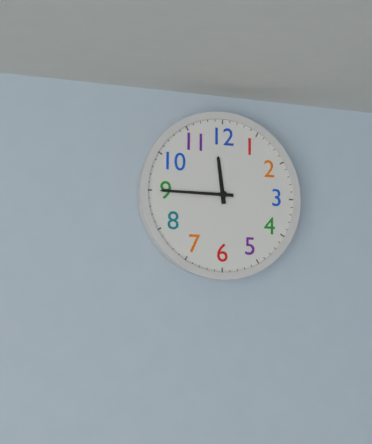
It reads 11h45
